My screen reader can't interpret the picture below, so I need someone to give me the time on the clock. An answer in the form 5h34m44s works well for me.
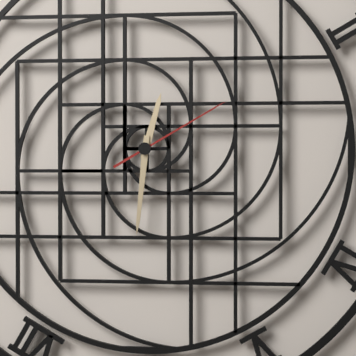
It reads 12h31m10s
